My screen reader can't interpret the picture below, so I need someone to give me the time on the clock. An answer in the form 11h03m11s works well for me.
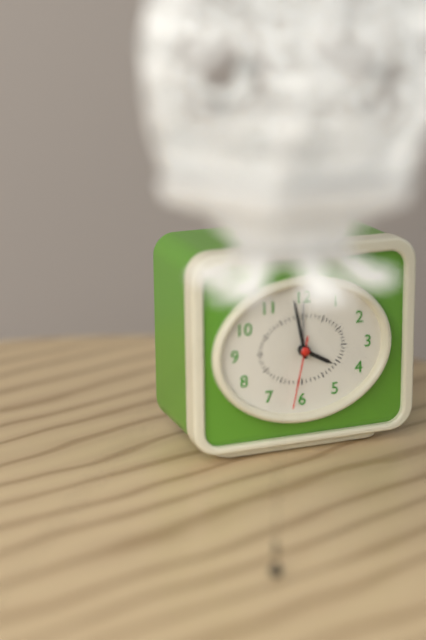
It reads 3h58m32s
